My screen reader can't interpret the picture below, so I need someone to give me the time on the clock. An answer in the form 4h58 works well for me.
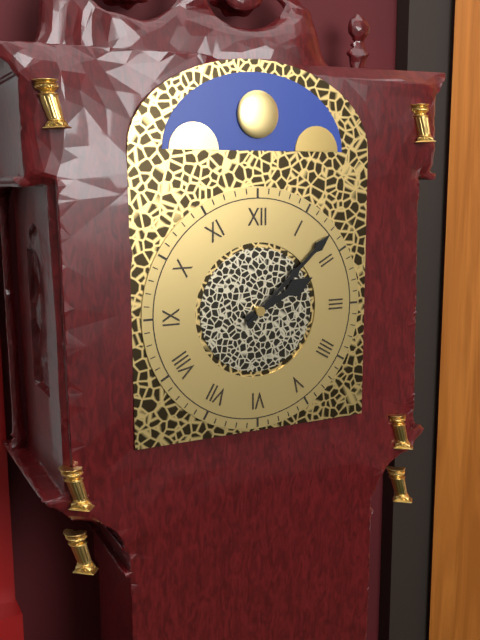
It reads 2h08
